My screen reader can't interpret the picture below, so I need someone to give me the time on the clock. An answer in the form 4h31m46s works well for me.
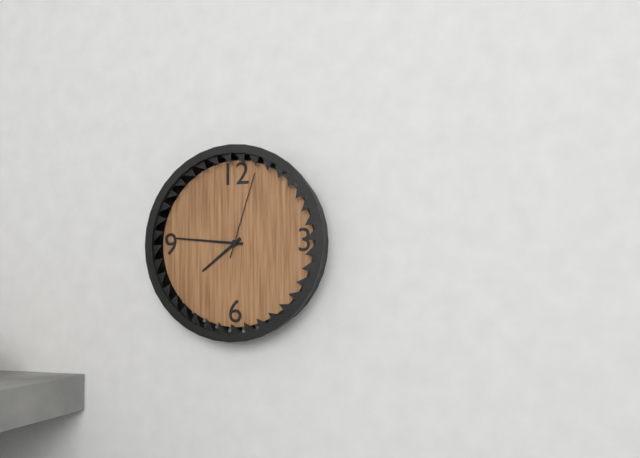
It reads 7h46m03s
